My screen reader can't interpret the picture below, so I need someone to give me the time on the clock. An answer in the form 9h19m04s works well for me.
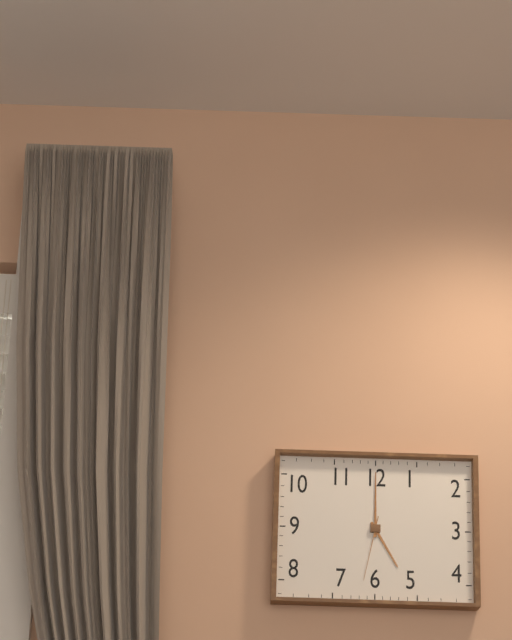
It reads 5h00m32s
